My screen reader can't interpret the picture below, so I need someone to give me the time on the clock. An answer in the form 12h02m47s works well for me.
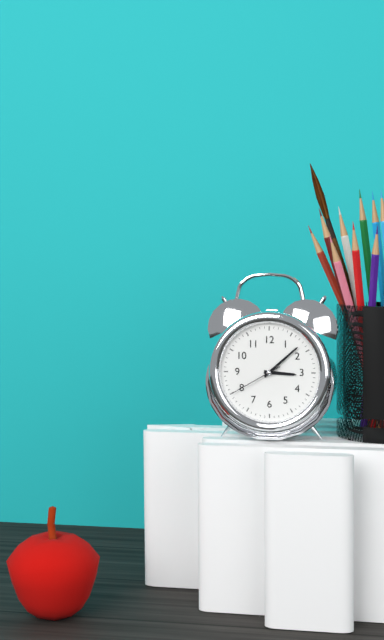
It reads 3h08m40s
